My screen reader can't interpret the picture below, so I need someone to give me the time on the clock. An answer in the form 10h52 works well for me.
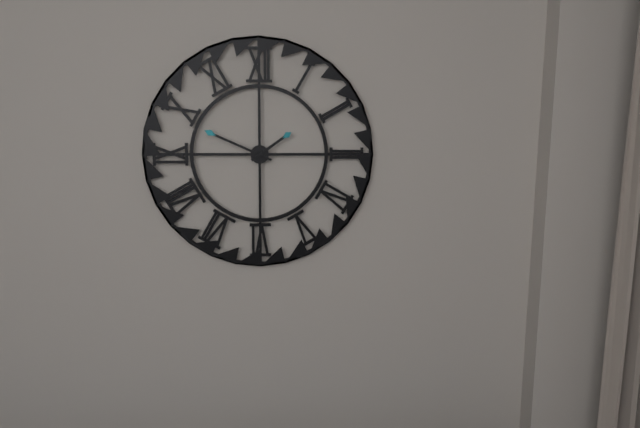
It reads 1h49
